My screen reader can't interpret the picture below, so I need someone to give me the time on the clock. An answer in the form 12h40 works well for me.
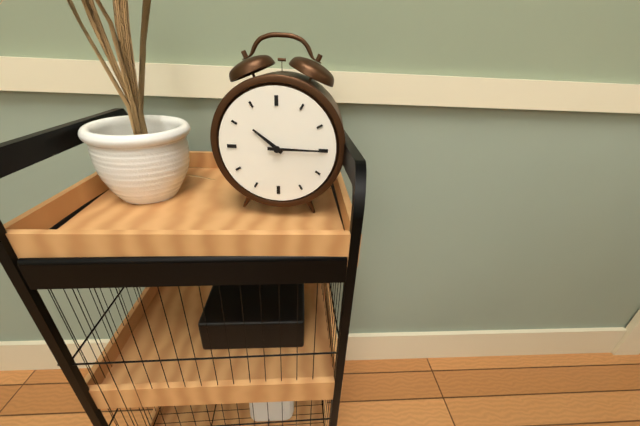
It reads 10h15
